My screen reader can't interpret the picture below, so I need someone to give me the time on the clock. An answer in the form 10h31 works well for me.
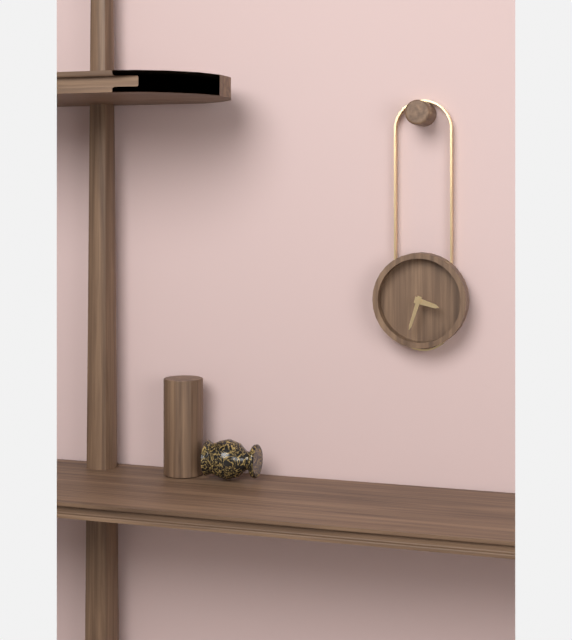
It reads 3h33
